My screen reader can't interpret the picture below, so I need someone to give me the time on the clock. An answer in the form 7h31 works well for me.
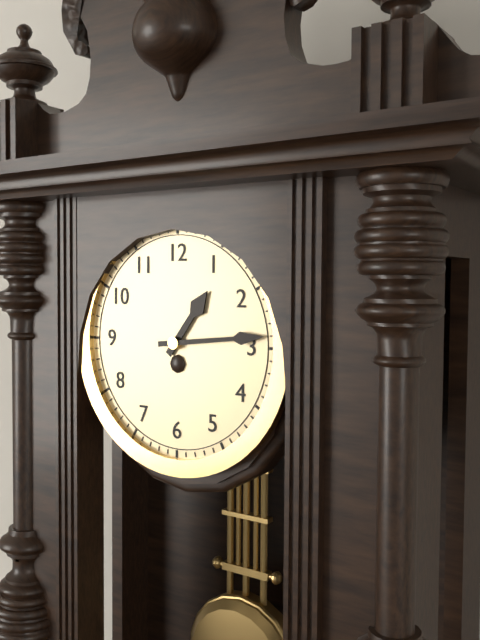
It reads 1h14
